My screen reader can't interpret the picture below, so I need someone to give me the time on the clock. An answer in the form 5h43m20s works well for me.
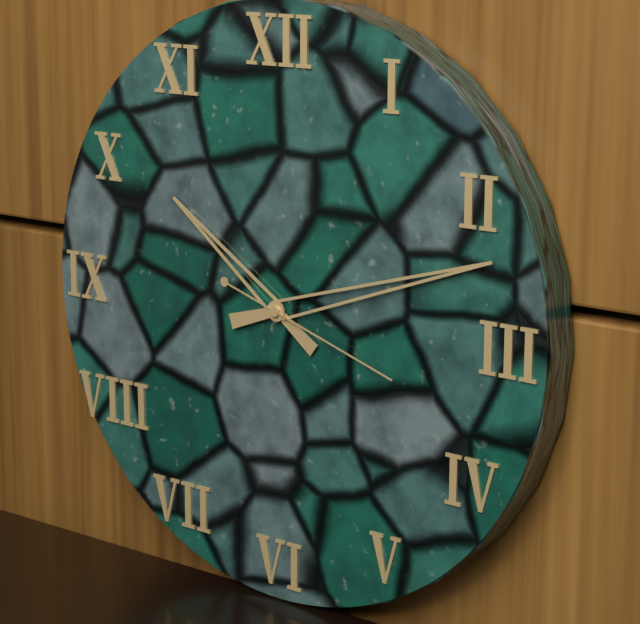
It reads 10h12m18s
